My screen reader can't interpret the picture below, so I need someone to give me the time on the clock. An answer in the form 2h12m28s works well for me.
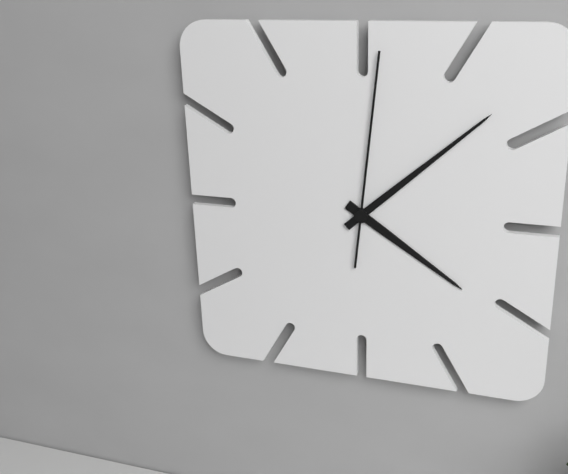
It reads 4h08m01s
